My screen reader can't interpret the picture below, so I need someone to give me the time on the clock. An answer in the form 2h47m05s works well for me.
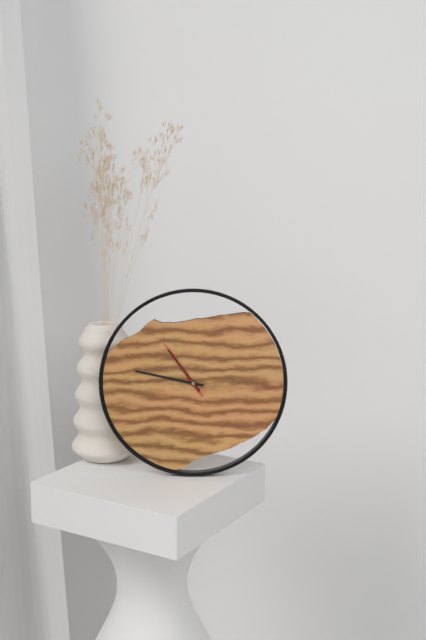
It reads 10h47m54s
